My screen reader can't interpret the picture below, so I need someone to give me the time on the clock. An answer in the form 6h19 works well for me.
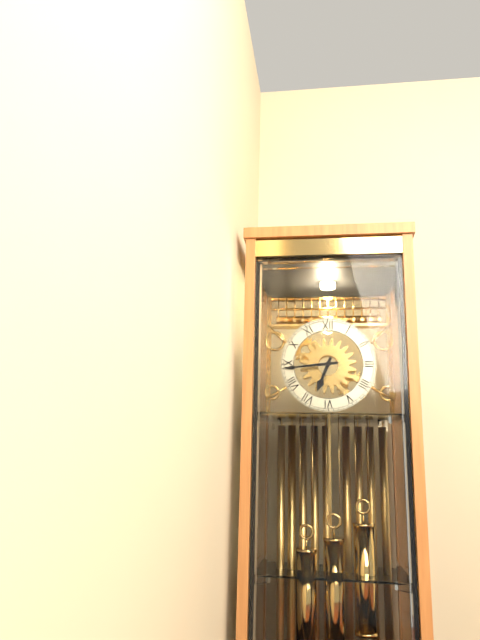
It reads 6h44
